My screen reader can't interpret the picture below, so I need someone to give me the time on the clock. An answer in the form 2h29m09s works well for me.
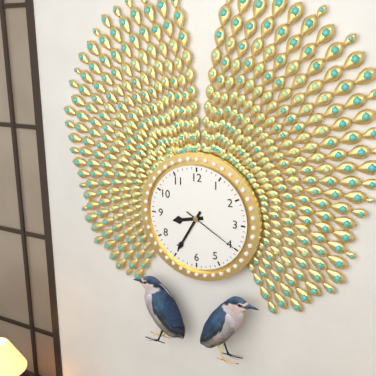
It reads 8h35m20s
